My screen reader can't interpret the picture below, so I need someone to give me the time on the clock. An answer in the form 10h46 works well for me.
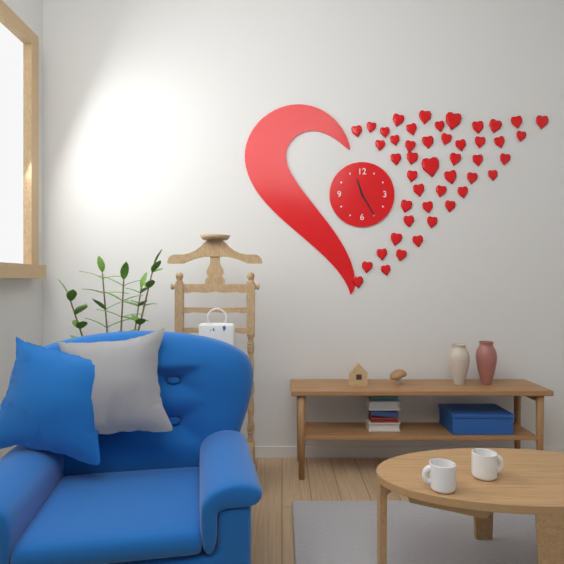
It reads 11h25
